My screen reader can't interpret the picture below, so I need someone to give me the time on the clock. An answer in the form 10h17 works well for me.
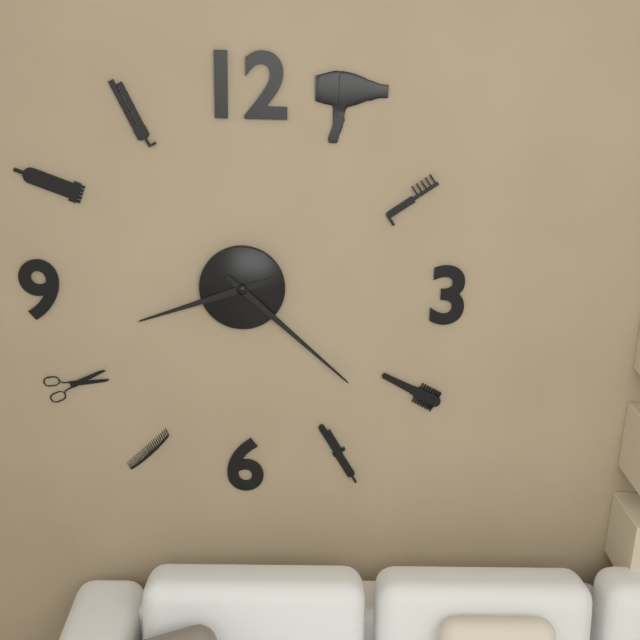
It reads 8h22
